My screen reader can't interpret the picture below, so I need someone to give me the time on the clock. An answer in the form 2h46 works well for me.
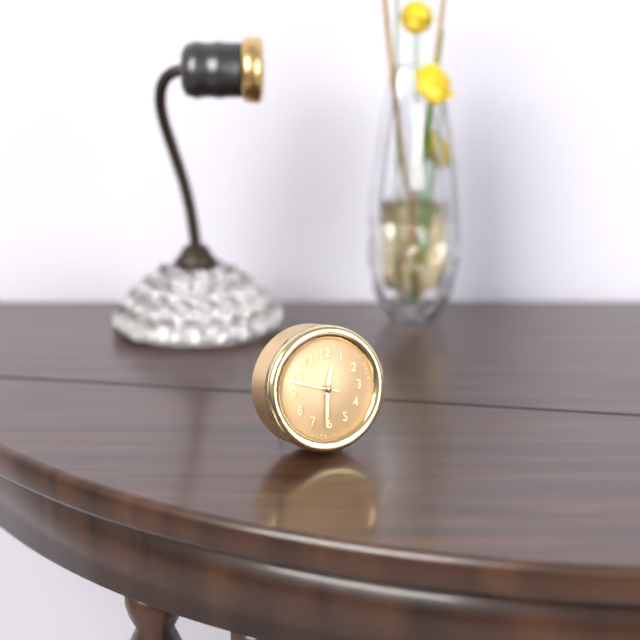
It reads 12h31
